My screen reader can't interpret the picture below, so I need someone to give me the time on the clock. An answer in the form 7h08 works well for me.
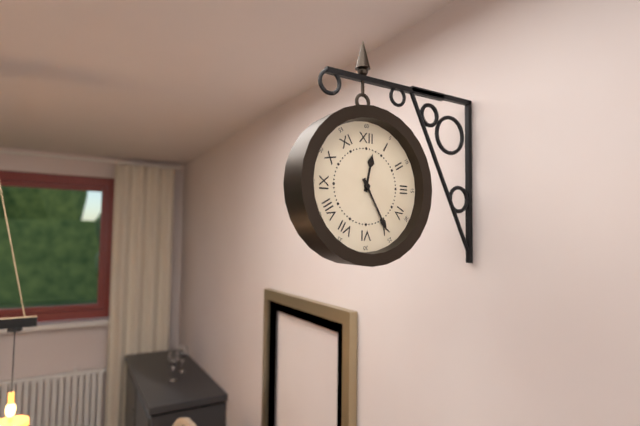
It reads 12h25
